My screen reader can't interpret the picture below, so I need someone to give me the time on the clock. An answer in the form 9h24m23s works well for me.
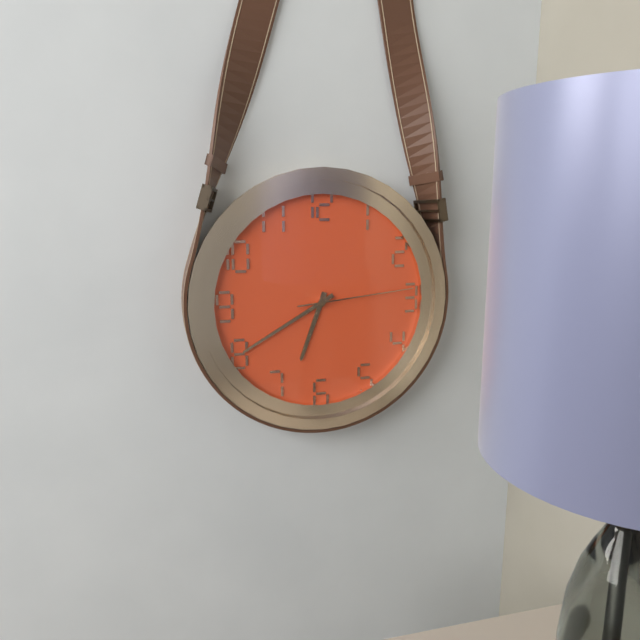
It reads 6h40m14s
